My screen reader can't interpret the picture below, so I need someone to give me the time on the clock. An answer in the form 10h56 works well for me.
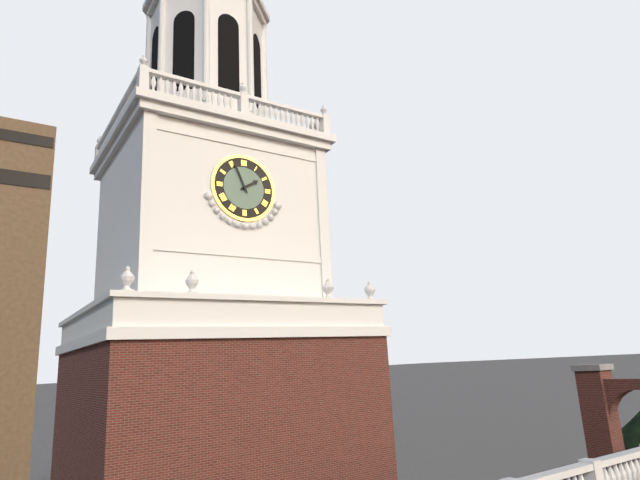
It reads 1h56
